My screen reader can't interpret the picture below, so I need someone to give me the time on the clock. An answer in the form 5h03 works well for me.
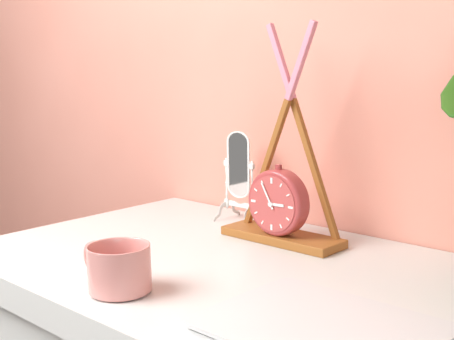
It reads 2h55
